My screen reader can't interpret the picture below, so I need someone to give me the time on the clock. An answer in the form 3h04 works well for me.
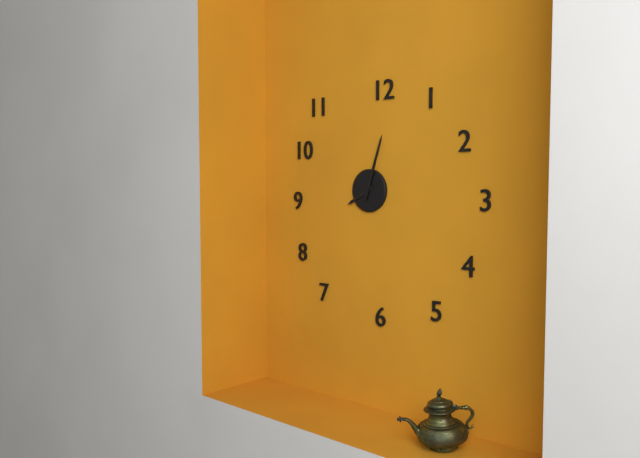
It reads 8h03
